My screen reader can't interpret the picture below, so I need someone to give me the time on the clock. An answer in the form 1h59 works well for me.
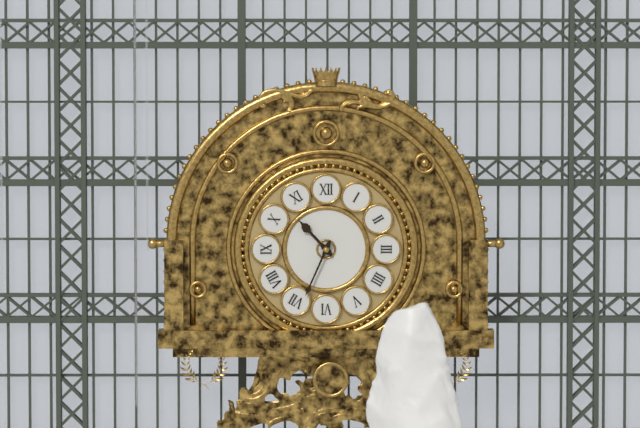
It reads 10h34
